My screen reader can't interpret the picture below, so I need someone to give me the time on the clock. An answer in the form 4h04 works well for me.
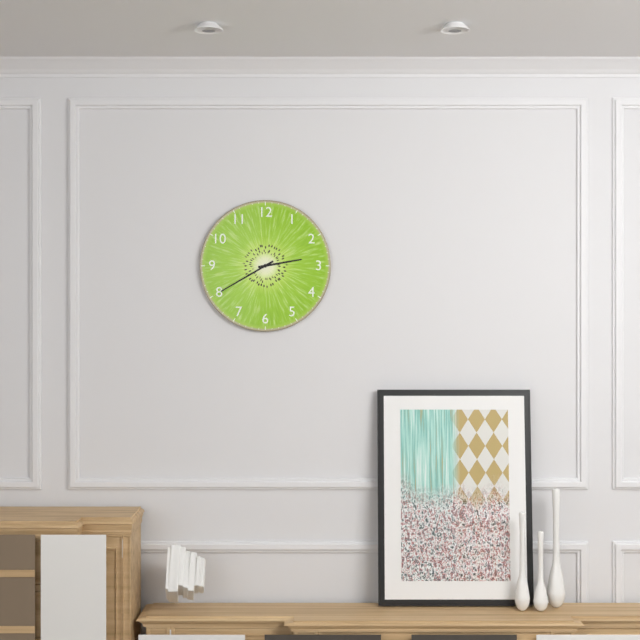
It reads 2h40
